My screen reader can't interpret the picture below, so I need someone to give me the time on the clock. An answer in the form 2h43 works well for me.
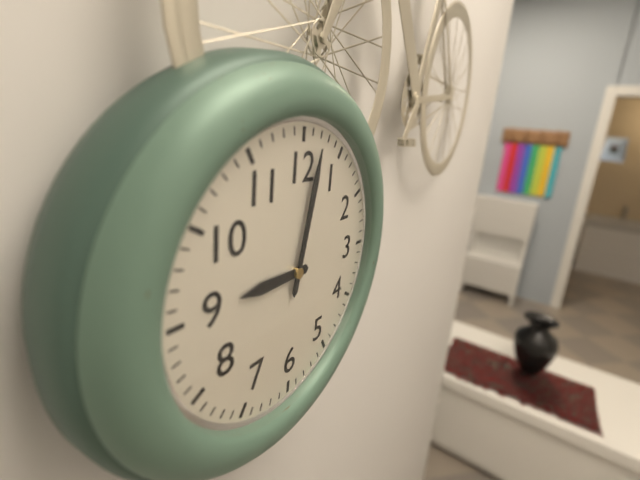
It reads 9h02
